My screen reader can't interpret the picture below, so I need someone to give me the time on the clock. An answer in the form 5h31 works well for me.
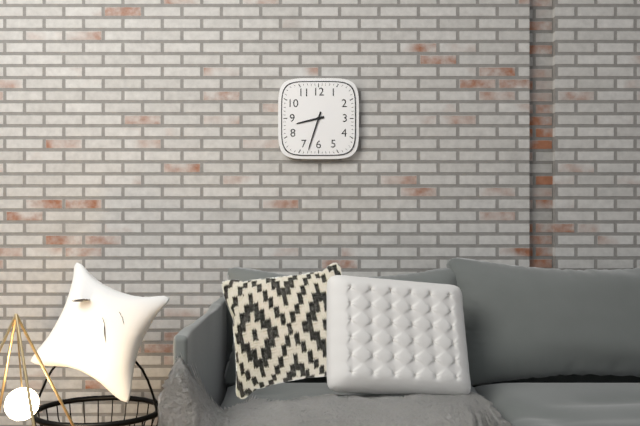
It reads 8h33
